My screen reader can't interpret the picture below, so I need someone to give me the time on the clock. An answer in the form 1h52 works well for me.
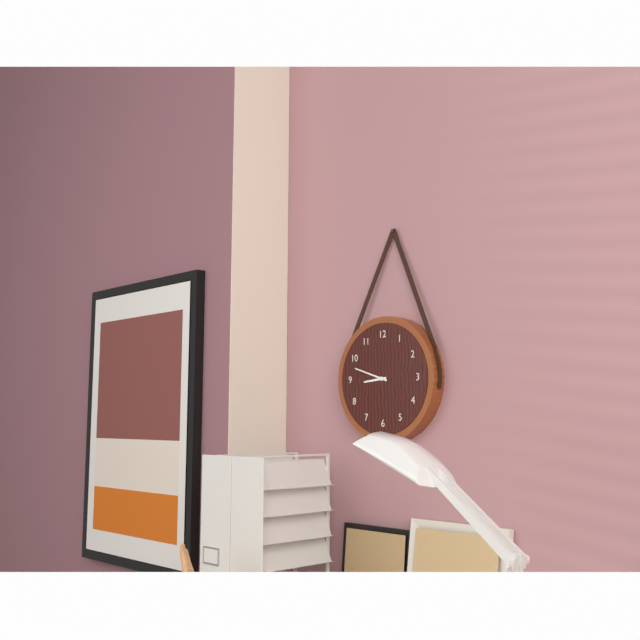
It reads 8h48
